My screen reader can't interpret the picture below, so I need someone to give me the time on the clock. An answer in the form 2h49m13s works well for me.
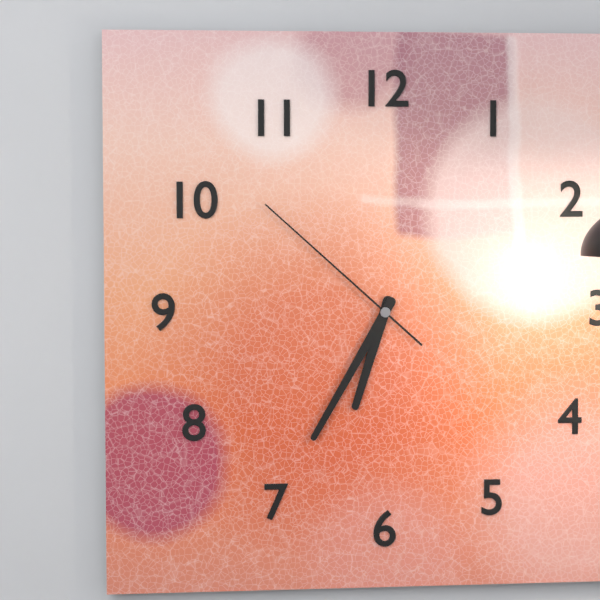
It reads 6h35m52s
